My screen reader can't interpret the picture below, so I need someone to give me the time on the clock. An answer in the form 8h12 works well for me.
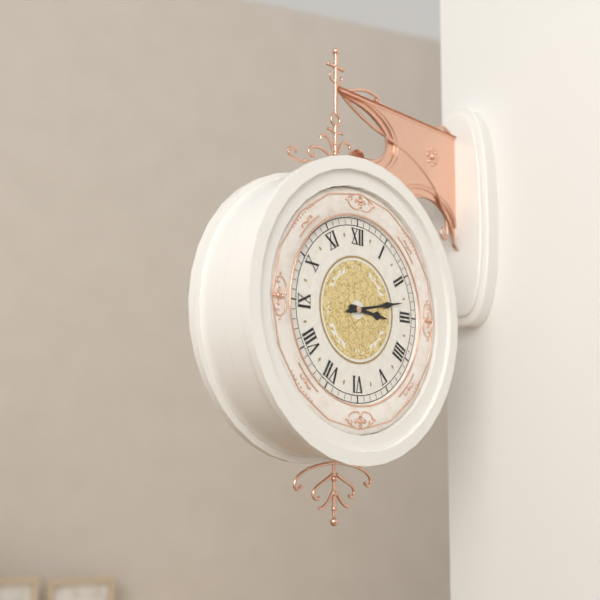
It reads 3h13
